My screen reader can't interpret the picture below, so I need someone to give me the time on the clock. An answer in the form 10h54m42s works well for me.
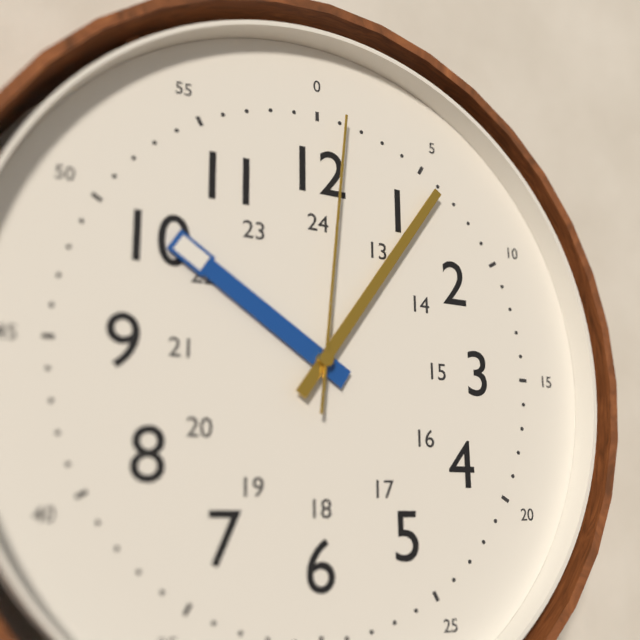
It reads 10h06m01s
